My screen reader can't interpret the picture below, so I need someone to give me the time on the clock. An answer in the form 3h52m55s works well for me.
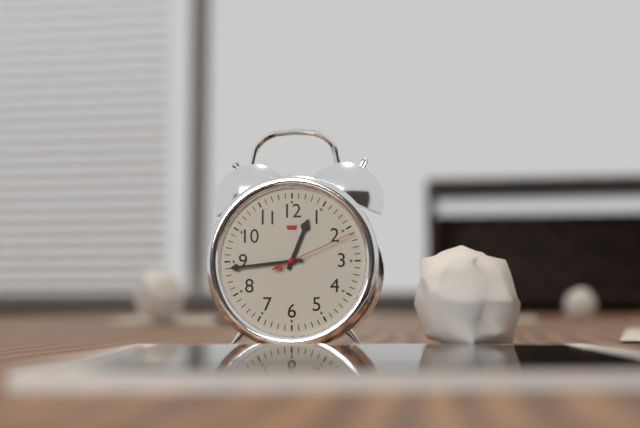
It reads 12h44m11s
